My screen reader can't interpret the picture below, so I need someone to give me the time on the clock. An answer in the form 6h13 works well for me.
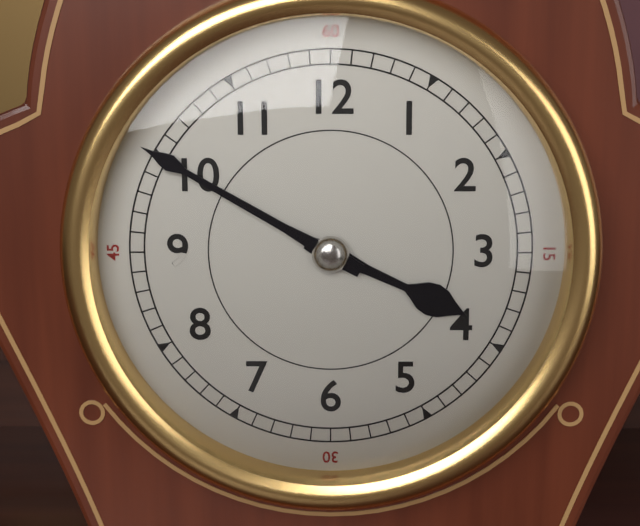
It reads 3h50
